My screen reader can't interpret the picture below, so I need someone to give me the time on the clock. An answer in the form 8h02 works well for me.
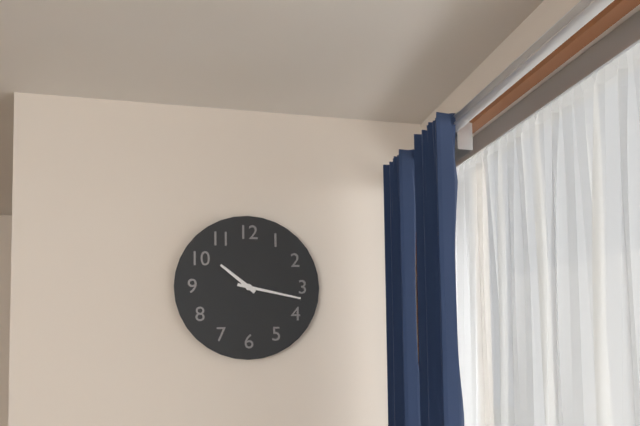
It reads 10h17
